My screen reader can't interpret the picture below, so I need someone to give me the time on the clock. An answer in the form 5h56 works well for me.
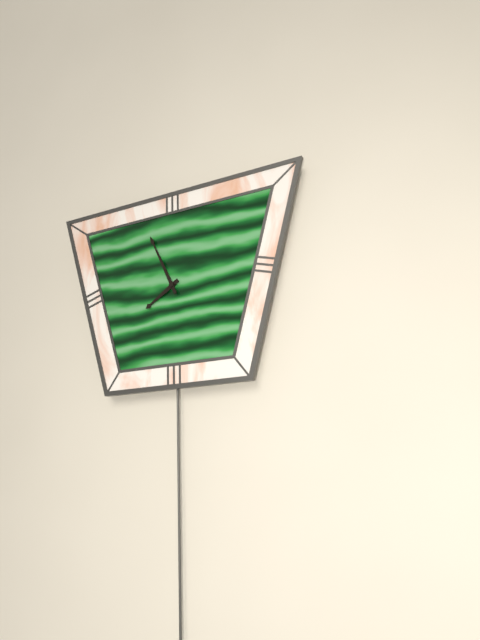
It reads 7h56
